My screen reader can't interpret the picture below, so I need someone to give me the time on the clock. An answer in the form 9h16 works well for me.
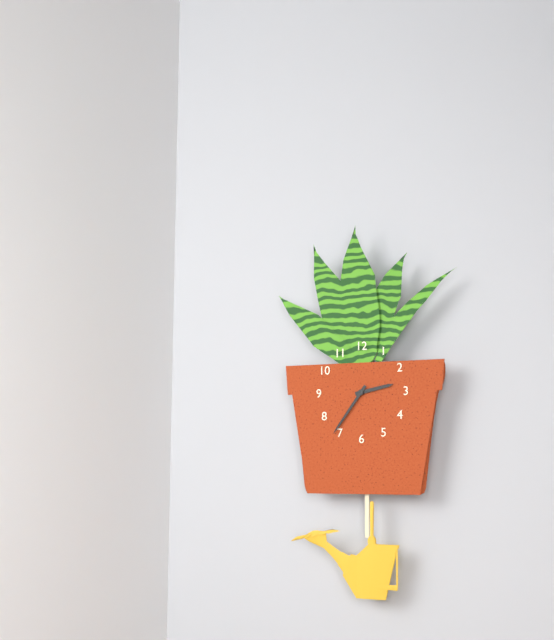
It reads 2h36
